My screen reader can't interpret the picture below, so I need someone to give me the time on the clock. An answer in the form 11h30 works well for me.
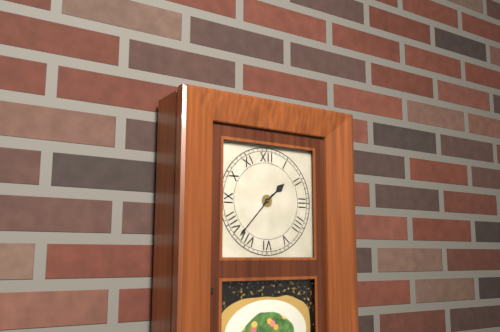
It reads 1h37
